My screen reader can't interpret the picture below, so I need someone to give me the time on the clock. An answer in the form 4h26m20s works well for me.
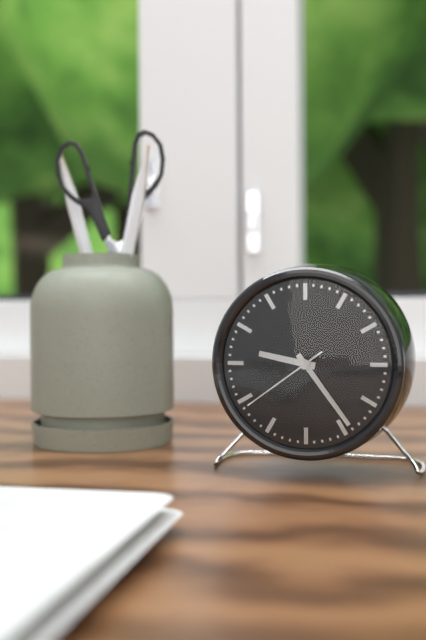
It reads 9h24m39s
